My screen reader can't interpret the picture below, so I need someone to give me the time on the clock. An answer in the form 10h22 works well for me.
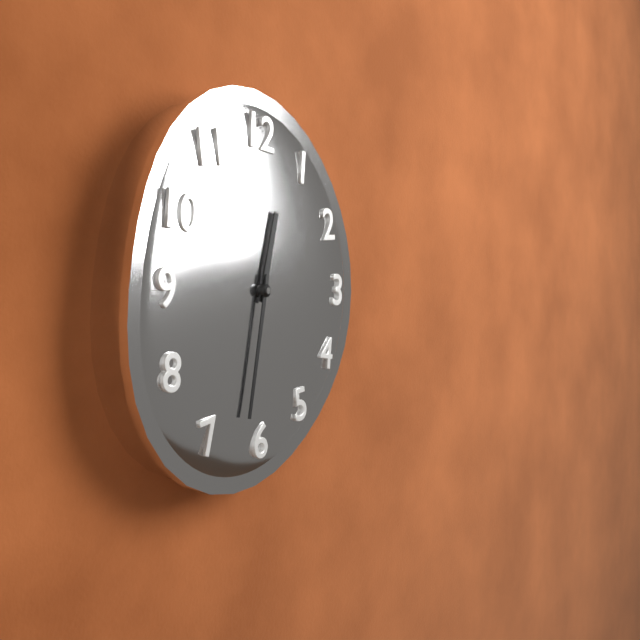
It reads 12h32
